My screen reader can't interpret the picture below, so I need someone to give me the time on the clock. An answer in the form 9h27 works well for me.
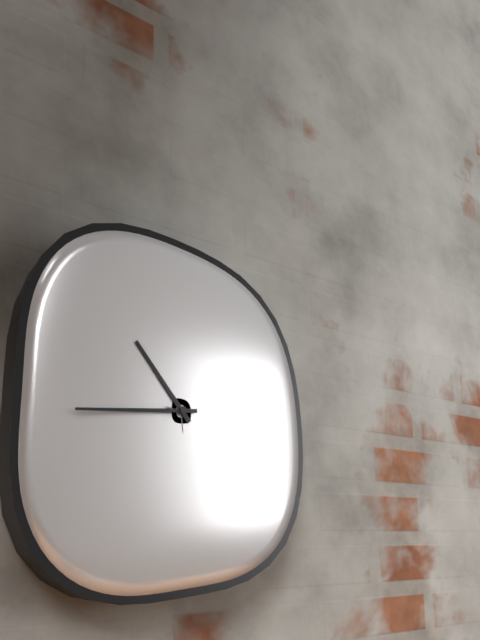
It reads 10h44
